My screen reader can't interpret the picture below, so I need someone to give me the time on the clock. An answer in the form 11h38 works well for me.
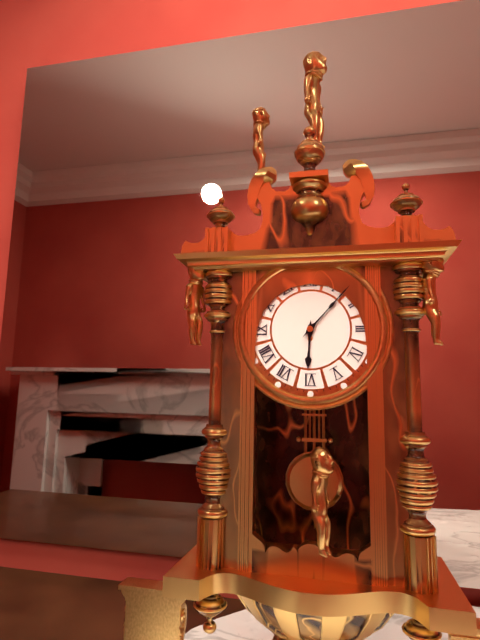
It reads 6h07
